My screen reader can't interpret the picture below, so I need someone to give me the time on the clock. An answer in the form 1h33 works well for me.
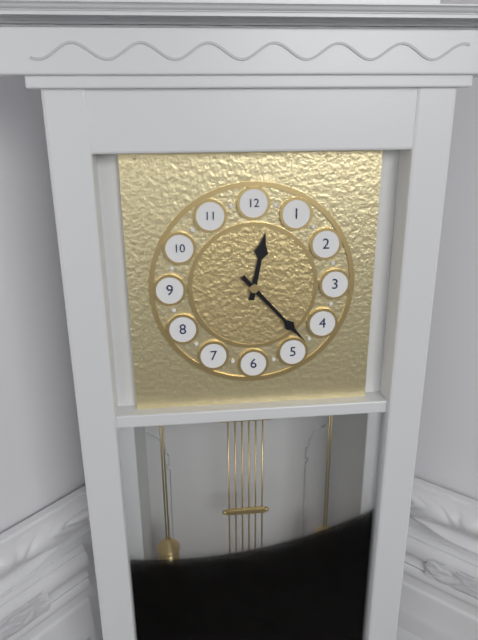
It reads 12h23
